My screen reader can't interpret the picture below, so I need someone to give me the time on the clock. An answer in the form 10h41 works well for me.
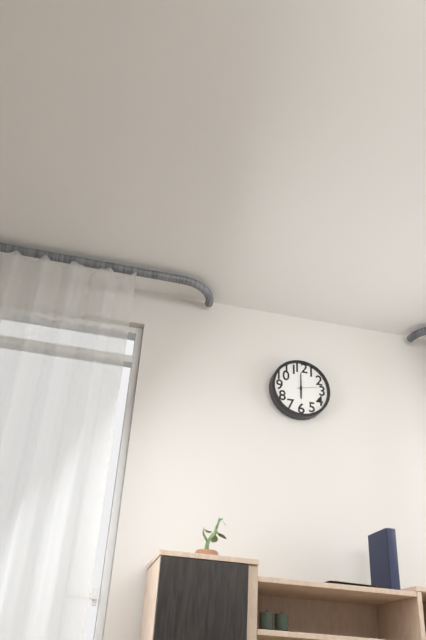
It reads 6h00
